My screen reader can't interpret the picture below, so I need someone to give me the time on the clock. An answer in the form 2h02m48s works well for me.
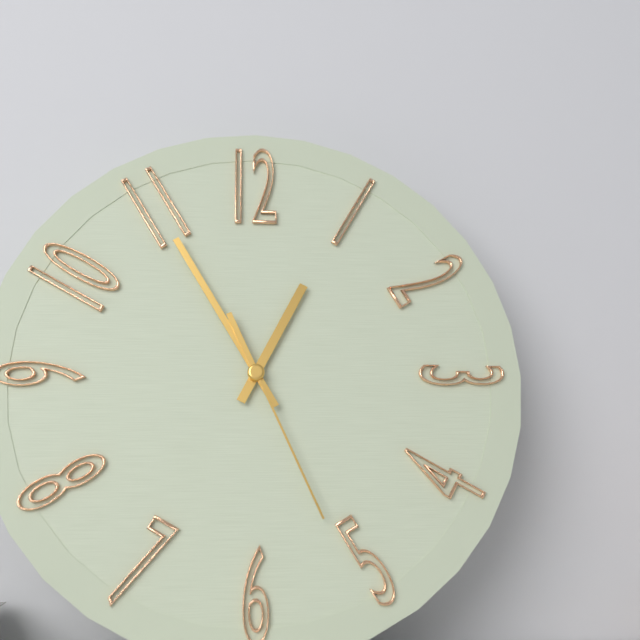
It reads 12h55m26s
